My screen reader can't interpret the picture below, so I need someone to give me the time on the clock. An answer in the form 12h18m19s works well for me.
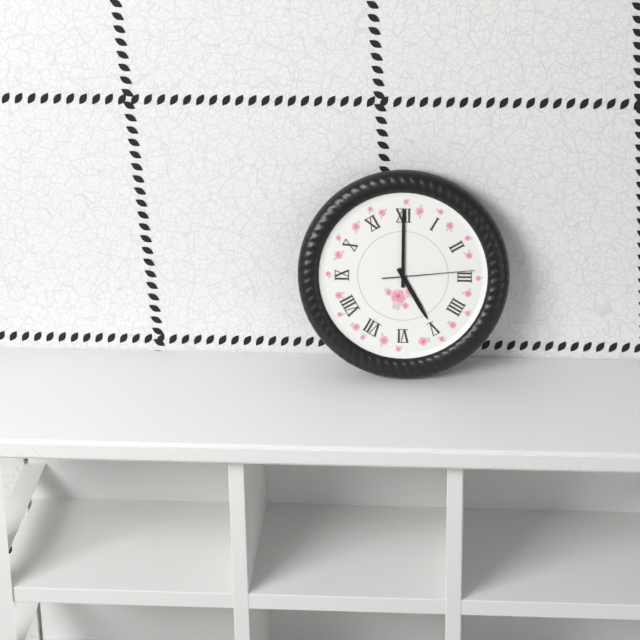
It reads 5h00m14s
